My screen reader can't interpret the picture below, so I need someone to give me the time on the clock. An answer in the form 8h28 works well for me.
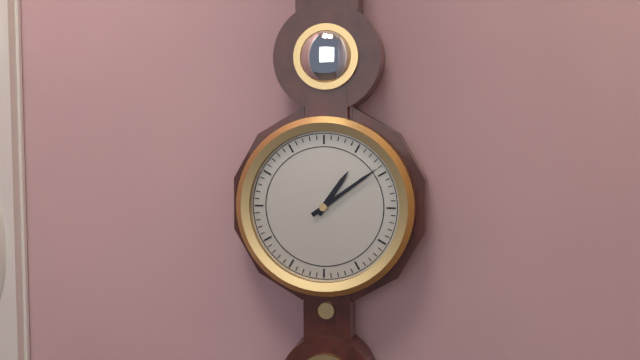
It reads 1h09
